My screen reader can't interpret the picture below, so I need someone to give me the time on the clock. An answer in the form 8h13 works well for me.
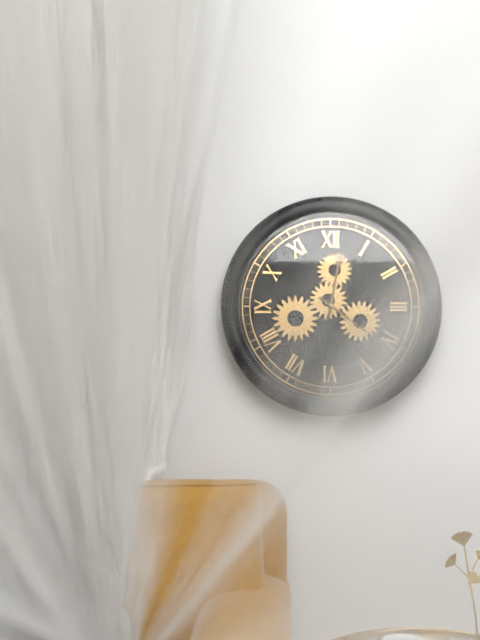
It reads 12h21
